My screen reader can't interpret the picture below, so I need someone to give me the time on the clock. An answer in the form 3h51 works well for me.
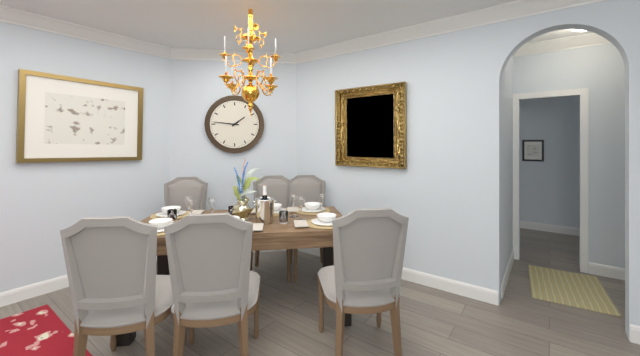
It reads 1h46
